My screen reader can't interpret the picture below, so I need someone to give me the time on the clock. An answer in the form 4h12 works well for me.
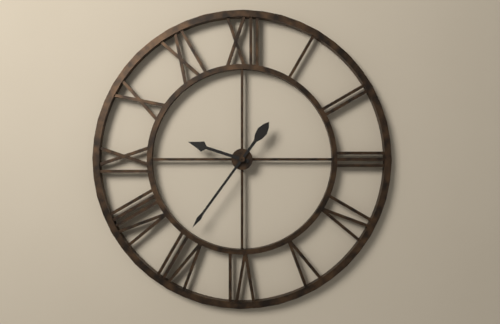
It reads 9h36
